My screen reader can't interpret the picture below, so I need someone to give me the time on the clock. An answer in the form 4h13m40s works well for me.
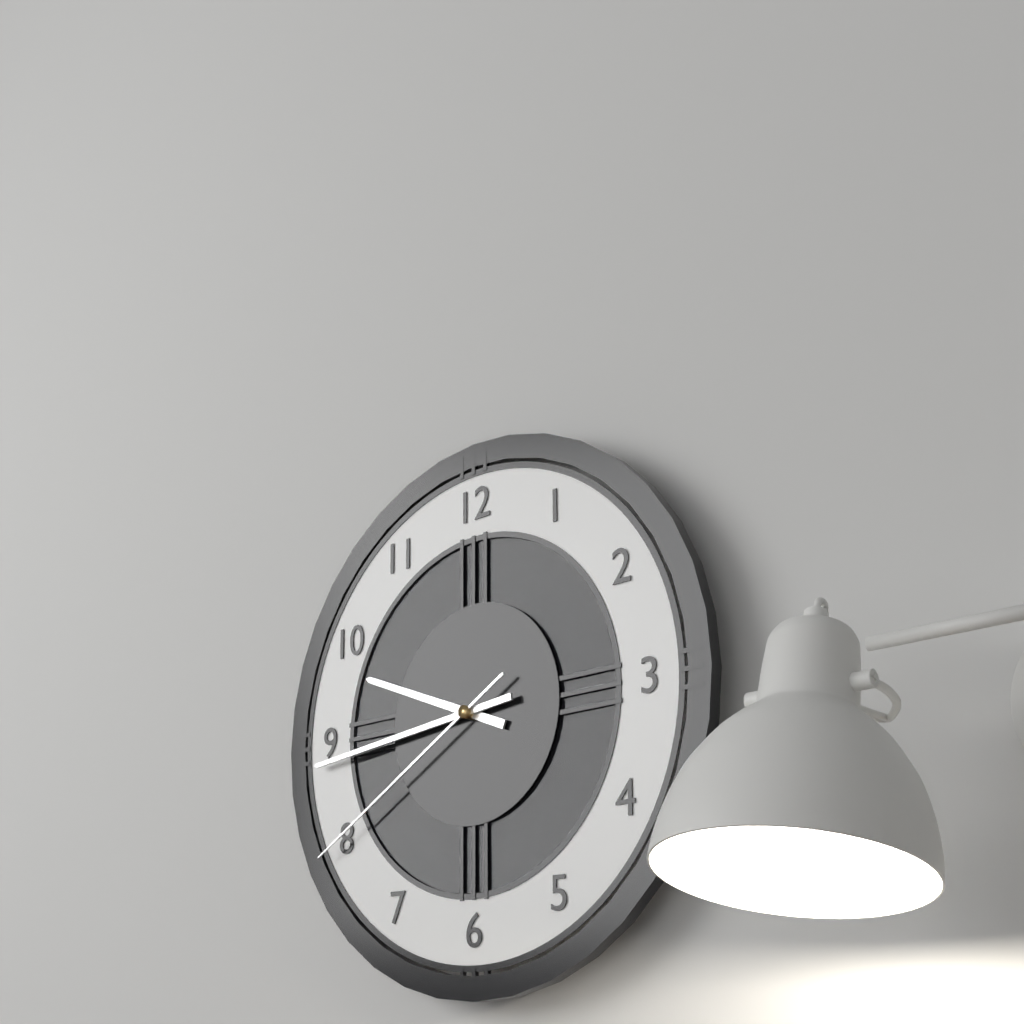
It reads 9h44m40s
